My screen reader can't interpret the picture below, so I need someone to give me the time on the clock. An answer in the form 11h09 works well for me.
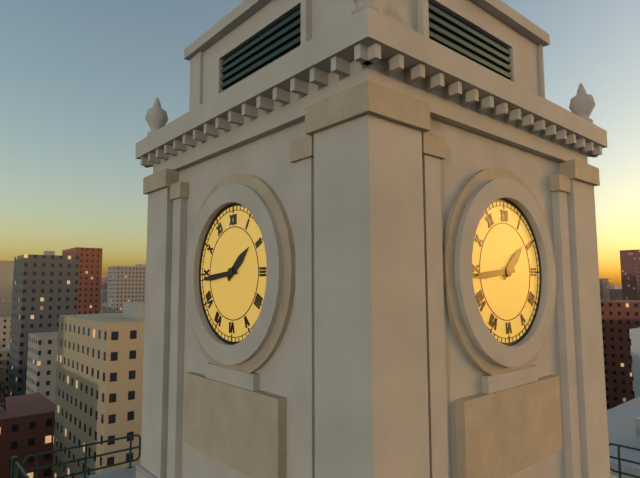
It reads 1h44
